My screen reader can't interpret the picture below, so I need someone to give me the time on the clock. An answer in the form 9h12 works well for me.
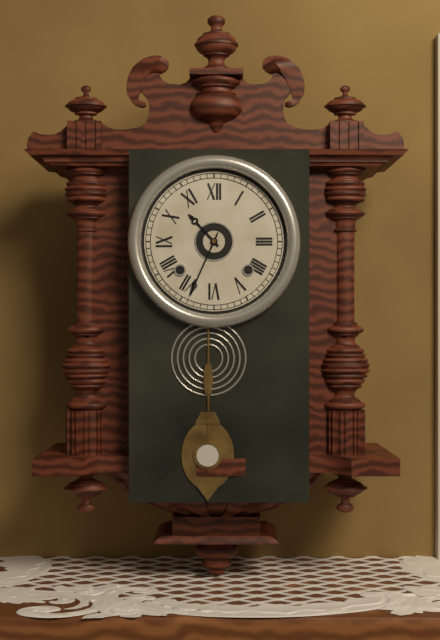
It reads 10h34
